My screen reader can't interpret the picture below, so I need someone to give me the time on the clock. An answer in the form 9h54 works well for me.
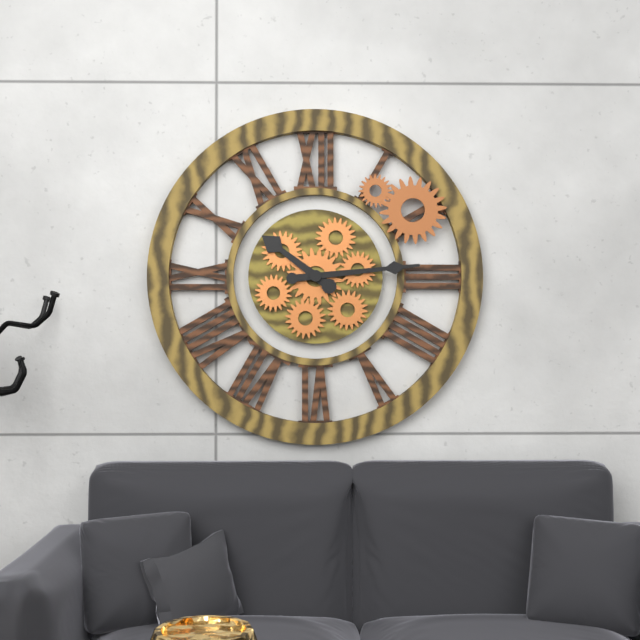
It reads 10h14
